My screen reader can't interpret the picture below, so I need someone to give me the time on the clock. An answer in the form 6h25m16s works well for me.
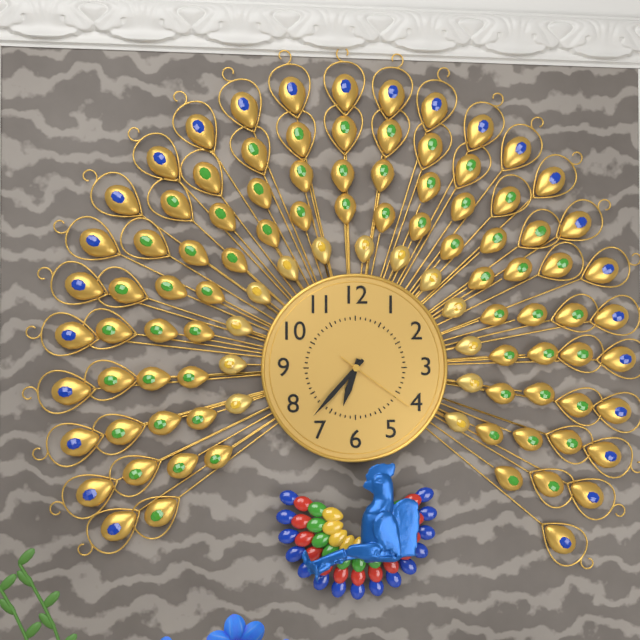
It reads 6h37m21s
